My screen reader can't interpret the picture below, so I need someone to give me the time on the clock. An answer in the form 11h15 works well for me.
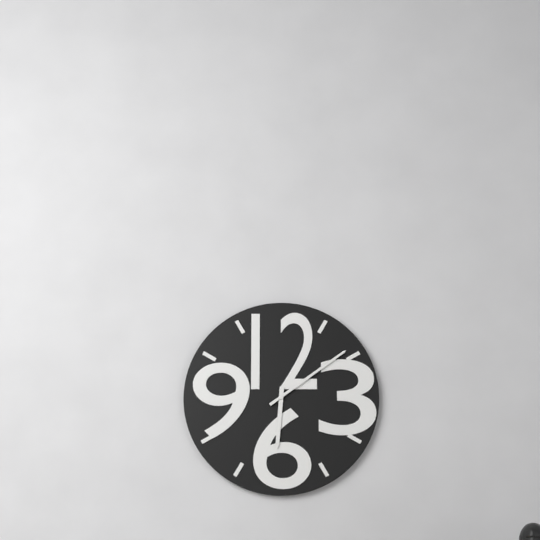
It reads 6h09
